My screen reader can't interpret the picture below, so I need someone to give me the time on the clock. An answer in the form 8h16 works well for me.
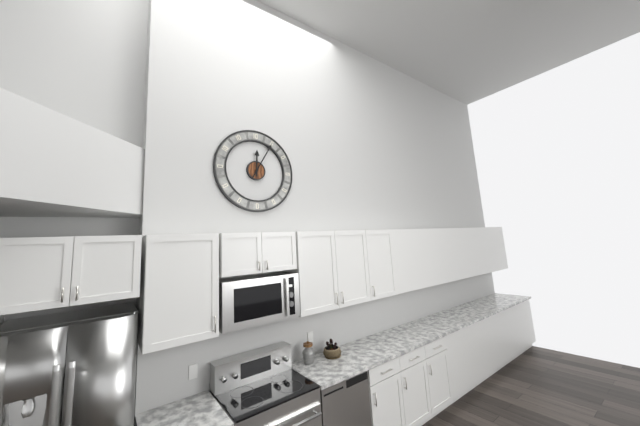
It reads 12h05
